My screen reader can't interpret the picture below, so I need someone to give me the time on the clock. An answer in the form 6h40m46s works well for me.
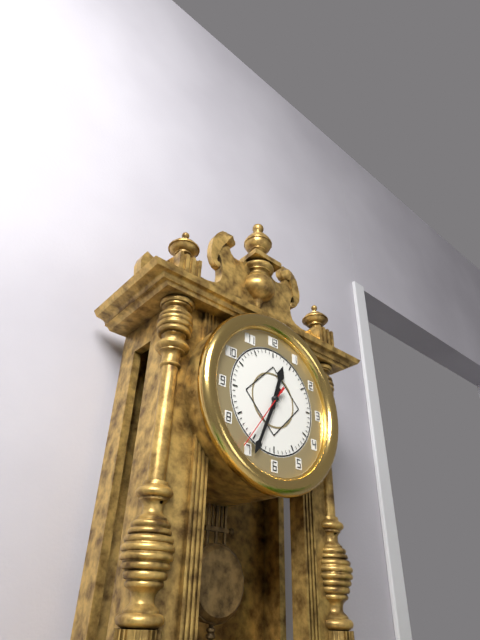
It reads 12h34m36s
